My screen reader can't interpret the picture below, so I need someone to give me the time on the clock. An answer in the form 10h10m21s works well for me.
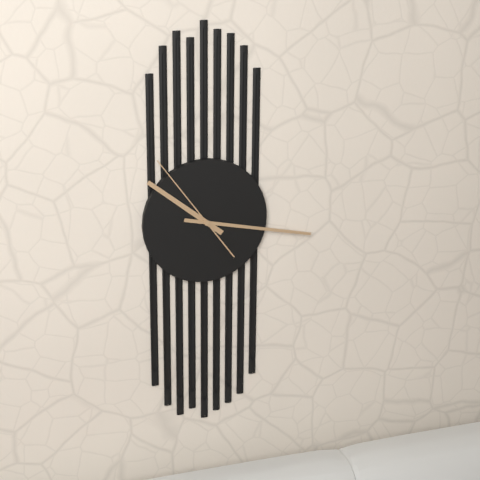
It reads 10h17m54s
